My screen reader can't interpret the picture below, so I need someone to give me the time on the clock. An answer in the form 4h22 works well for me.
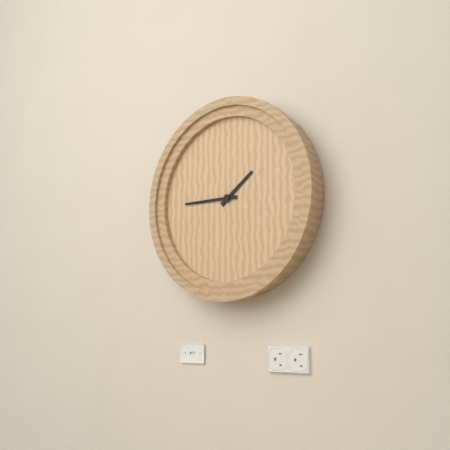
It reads 1h45
